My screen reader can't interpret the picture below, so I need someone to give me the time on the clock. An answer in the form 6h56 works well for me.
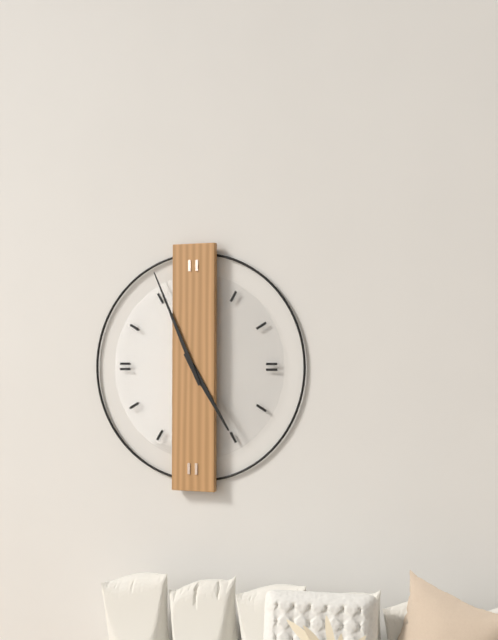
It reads 4h56
